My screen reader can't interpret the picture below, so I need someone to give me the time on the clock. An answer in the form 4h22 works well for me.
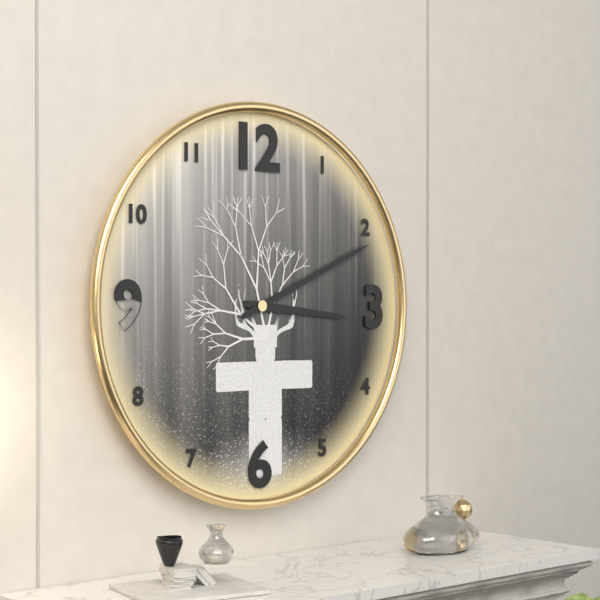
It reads 3h11
